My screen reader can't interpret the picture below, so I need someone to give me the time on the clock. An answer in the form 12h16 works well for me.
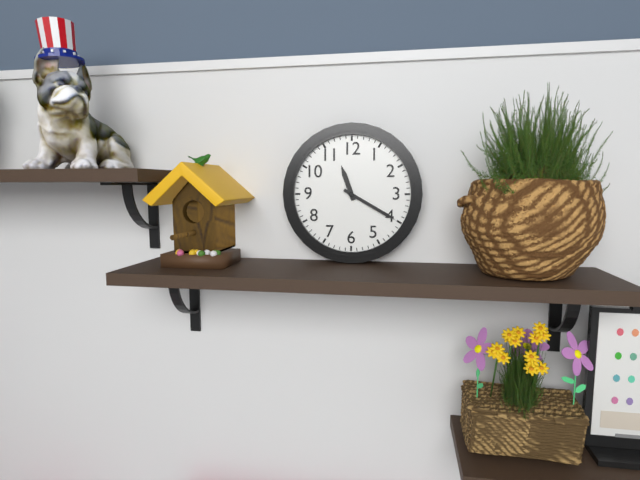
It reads 11h20
